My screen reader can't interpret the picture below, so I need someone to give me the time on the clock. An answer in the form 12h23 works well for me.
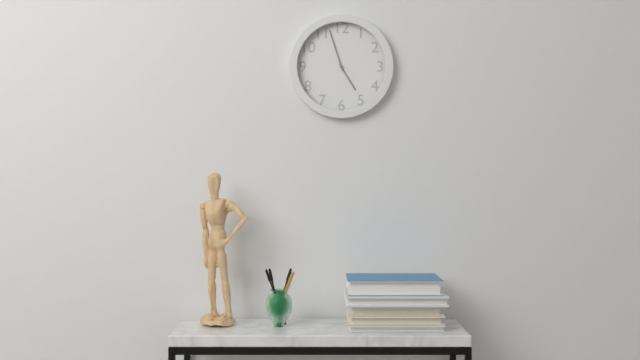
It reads 4h57
